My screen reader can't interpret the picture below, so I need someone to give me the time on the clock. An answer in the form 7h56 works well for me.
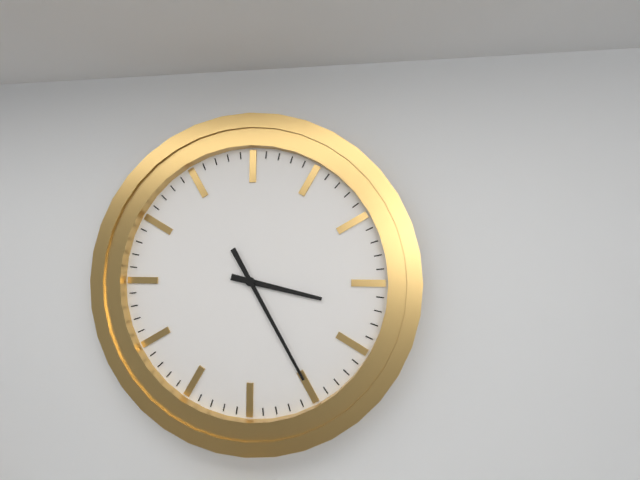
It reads 3h25
